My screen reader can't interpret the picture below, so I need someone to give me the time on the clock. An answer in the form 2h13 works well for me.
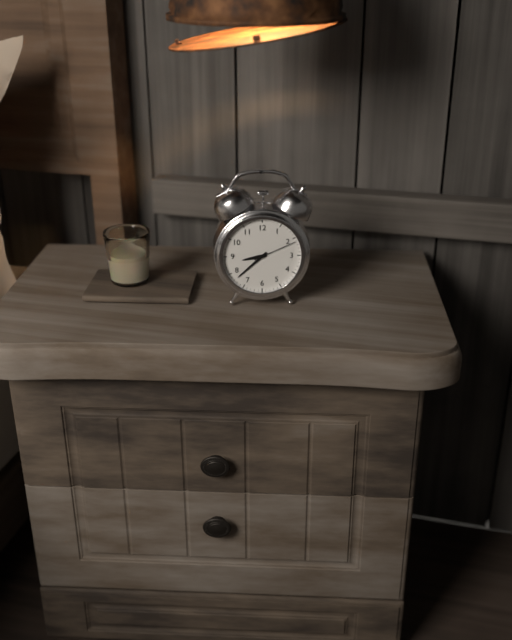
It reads 8h38
